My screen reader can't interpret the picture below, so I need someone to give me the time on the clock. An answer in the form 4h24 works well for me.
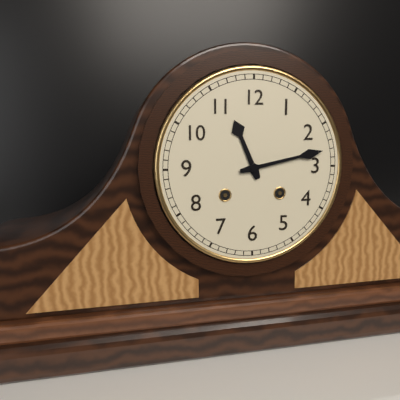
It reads 11h13
